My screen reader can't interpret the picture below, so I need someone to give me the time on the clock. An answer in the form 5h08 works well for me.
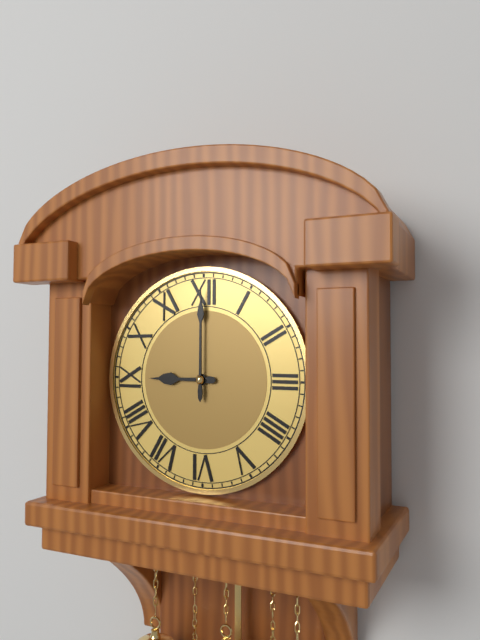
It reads 9h00
